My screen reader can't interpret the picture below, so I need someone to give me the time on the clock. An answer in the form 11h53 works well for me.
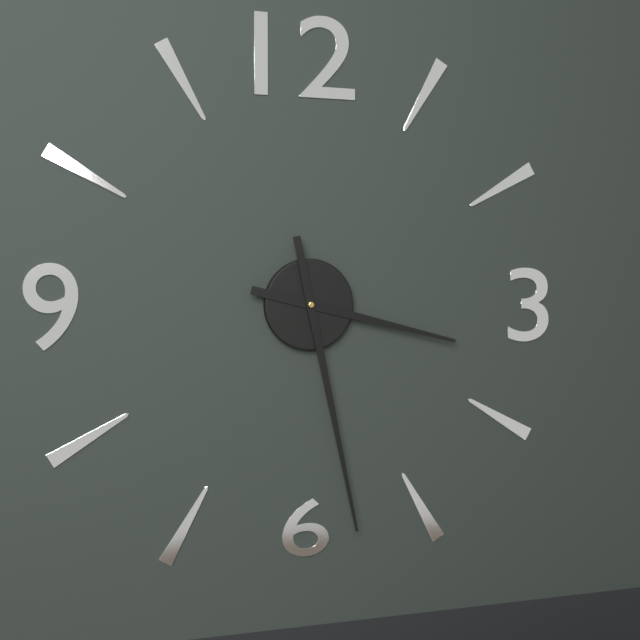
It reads 3h28
